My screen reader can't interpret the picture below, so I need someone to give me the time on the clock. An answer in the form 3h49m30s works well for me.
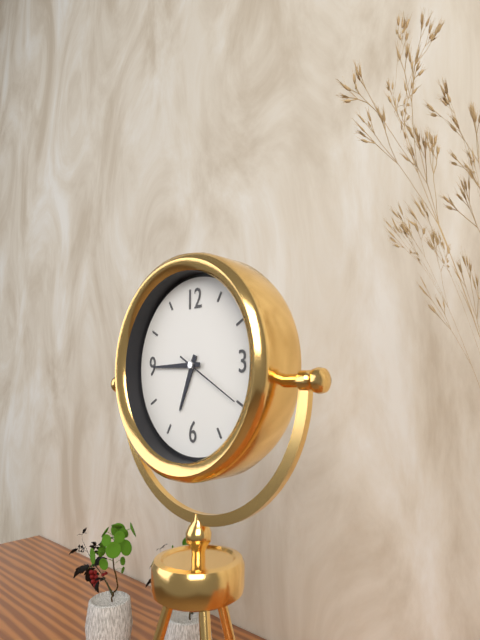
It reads 6h45m20s
